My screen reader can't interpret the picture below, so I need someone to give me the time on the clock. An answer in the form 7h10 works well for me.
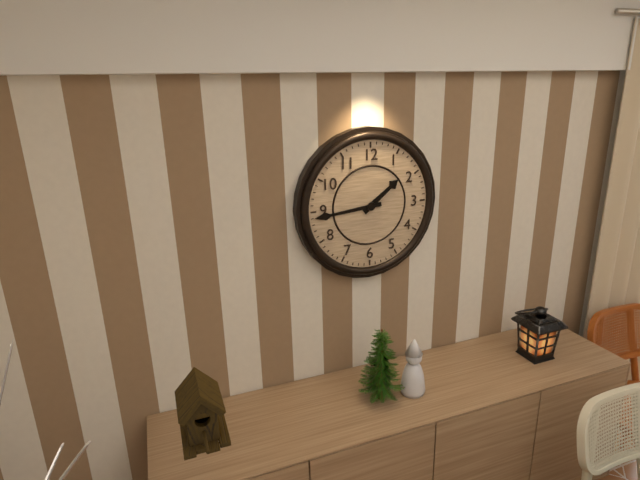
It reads 1h44
